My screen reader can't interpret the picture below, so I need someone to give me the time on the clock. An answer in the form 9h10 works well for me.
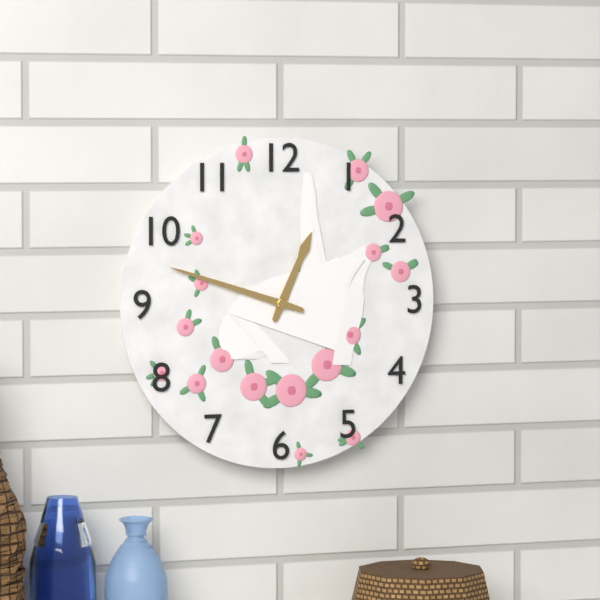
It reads 12h48
